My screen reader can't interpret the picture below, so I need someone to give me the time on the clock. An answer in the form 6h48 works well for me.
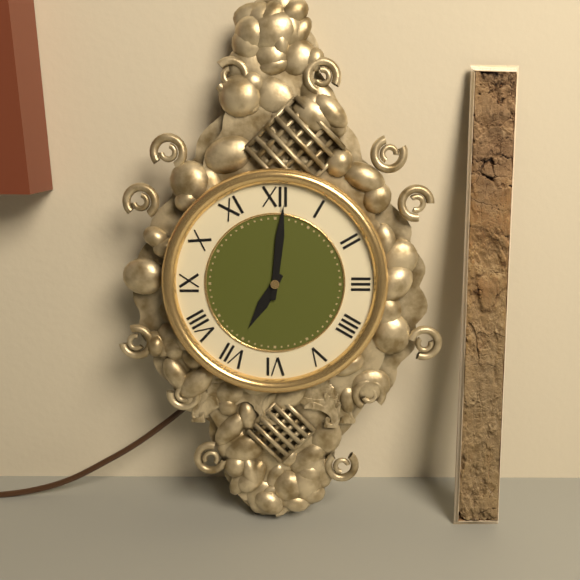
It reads 7h01
